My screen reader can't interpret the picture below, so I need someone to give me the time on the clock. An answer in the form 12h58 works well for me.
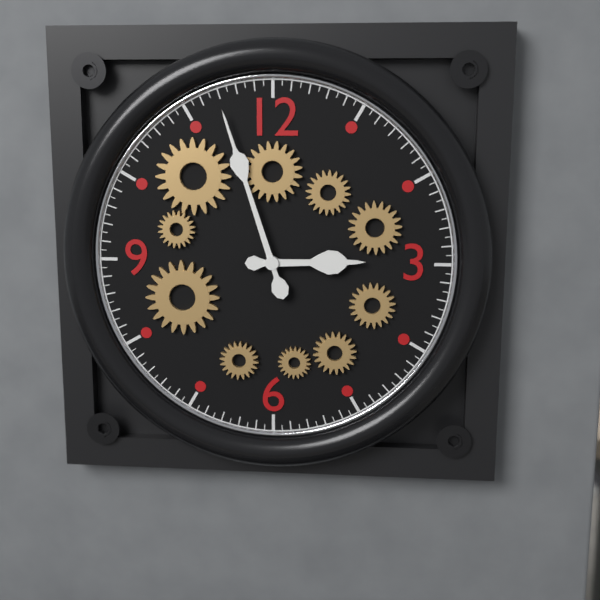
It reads 2h57
